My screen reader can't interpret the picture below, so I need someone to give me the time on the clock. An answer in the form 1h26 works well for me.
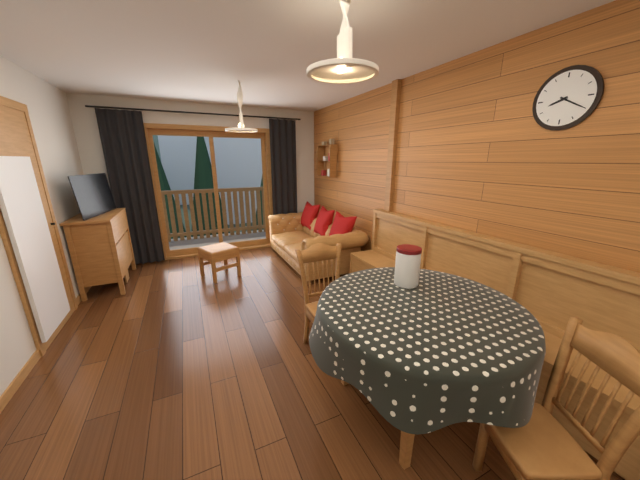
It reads 8h20
